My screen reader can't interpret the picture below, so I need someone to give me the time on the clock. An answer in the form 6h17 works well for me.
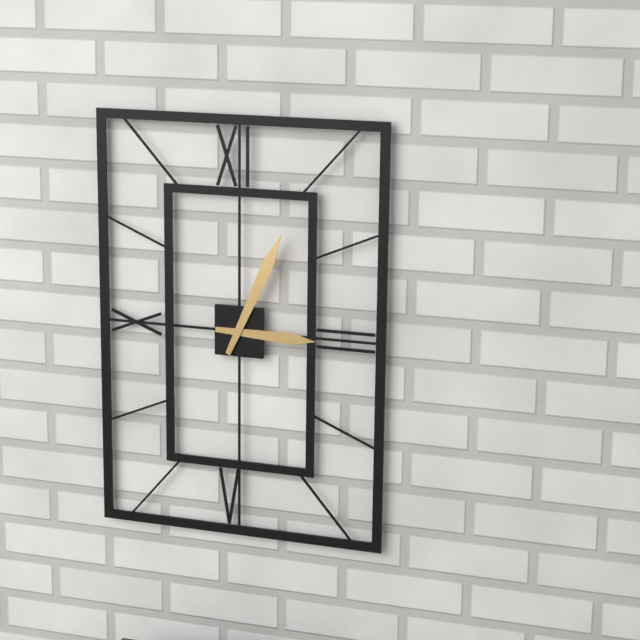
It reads 3h04
